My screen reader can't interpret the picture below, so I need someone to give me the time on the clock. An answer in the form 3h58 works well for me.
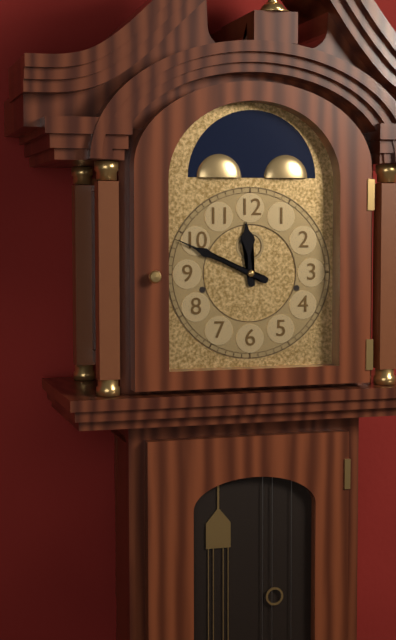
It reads 11h49
